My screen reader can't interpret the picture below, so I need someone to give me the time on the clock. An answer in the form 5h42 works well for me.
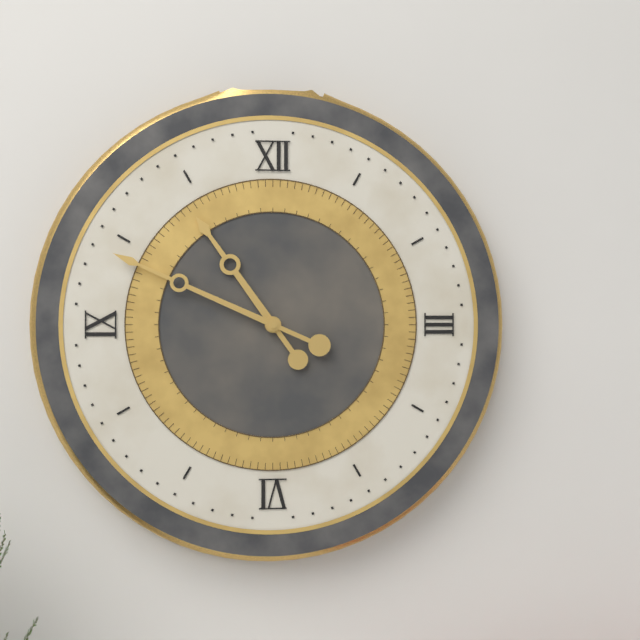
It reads 10h49
